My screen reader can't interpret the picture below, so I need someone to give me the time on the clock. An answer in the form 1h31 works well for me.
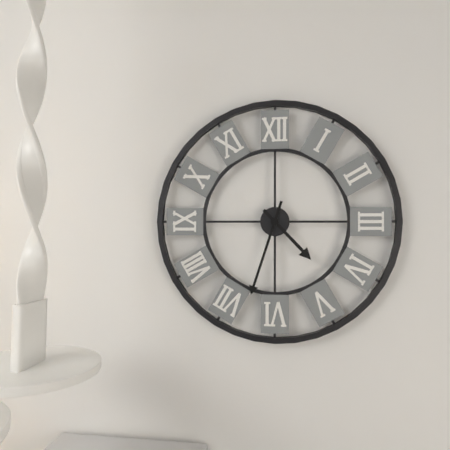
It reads 4h33
